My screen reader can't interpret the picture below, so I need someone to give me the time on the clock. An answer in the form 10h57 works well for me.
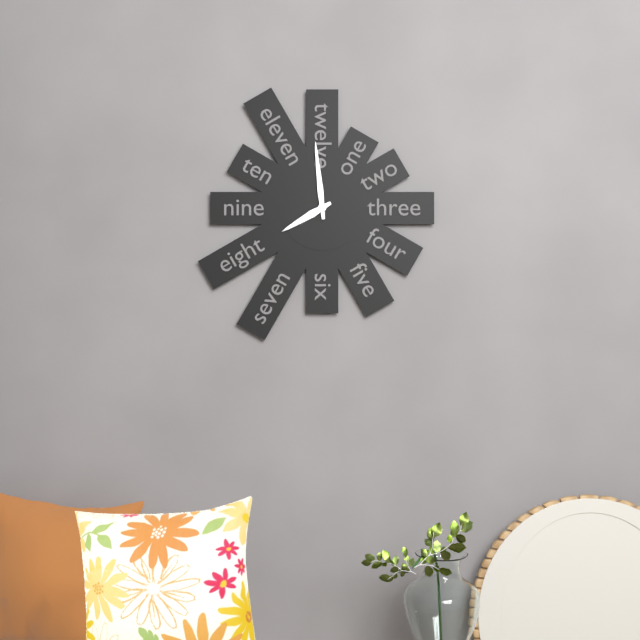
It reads 7h59
